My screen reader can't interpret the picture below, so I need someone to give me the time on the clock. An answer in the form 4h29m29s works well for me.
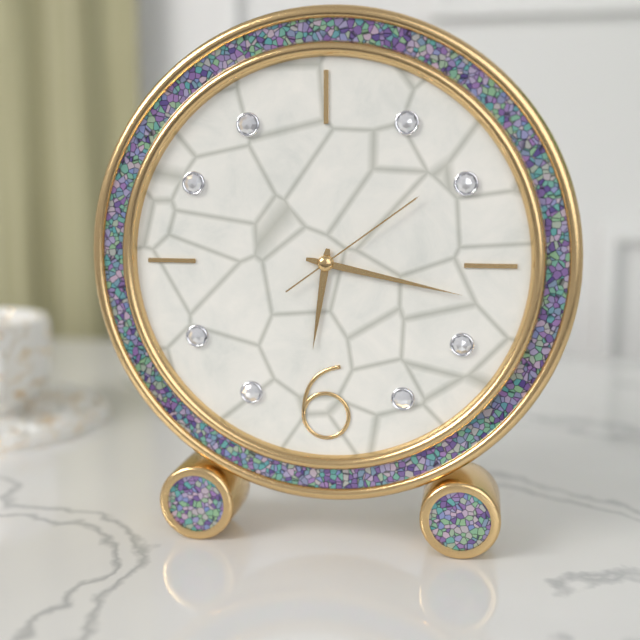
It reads 6h17m09s
